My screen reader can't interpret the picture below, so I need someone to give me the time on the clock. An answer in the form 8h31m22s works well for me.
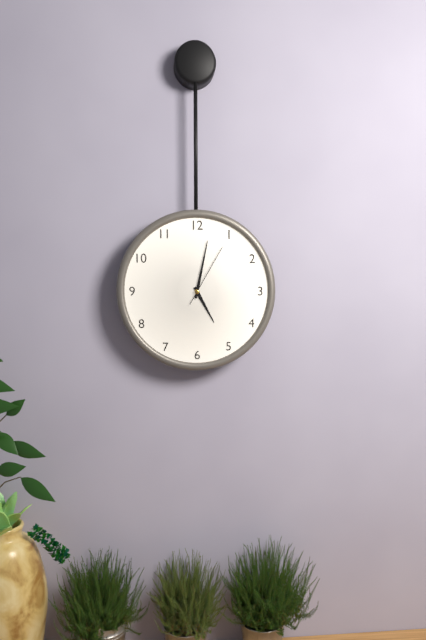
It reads 5h02m05s
